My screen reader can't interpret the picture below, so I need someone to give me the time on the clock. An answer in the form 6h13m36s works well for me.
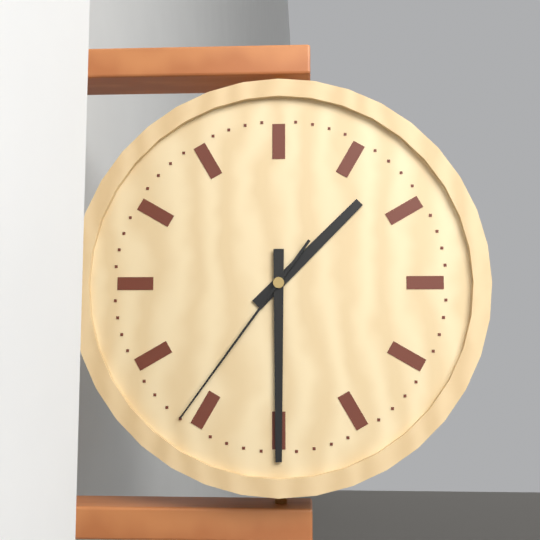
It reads 1h30m36s
